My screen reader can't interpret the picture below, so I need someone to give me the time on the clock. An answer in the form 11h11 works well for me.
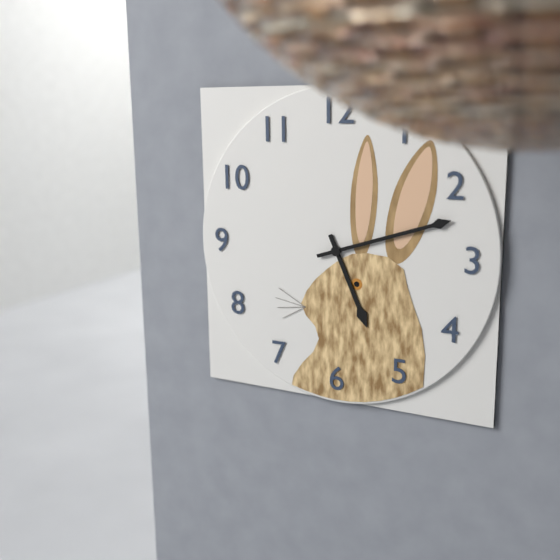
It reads 5h12
